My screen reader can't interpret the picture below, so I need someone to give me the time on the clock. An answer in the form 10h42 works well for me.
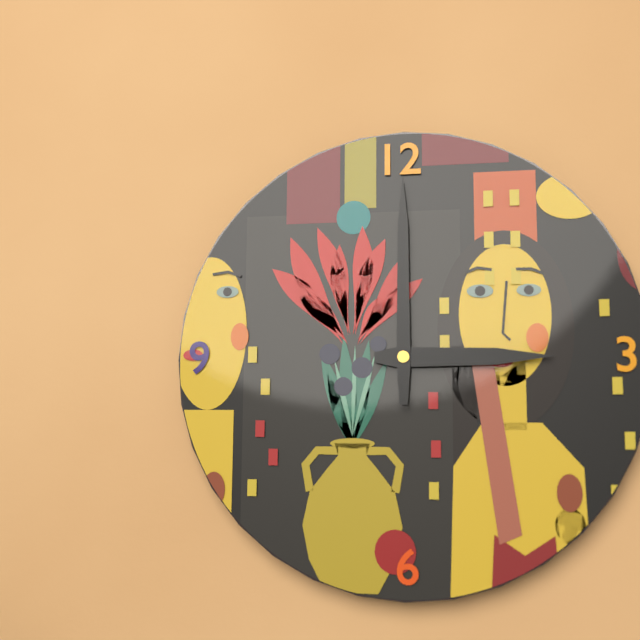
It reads 3h00
